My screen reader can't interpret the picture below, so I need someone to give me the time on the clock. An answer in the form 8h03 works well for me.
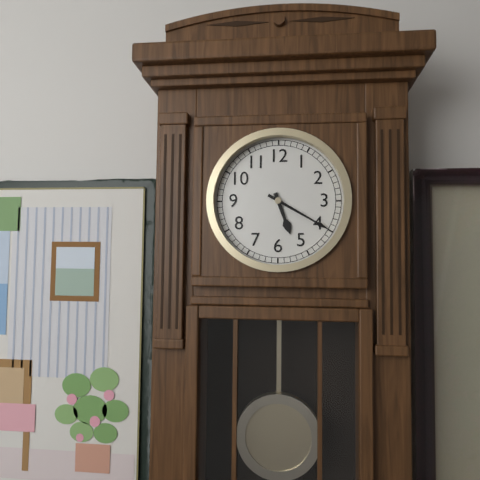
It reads 5h20
